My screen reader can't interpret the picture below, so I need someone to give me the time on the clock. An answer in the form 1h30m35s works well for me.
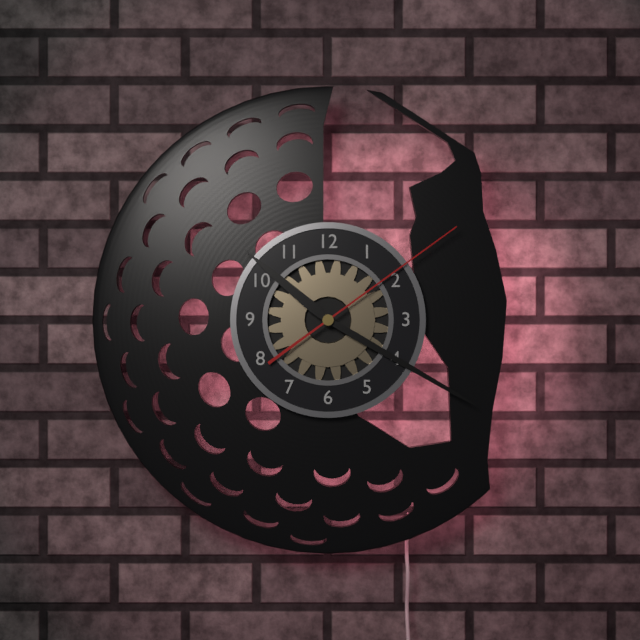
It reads 10h20m09s
